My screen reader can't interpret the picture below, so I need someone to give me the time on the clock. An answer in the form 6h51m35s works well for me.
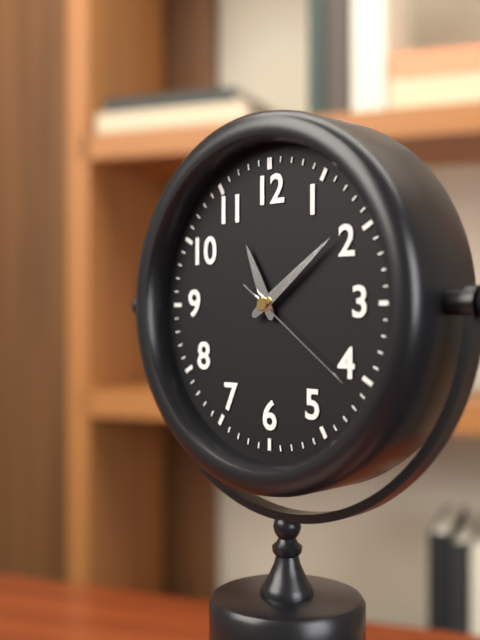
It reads 11h09m21s
